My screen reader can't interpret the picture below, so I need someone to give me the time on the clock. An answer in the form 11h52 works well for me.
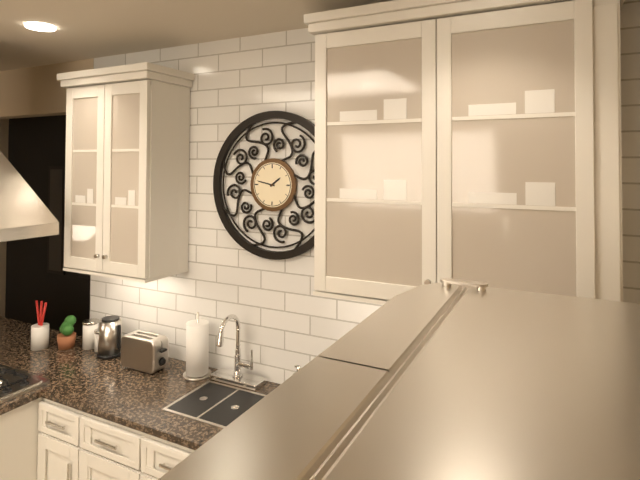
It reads 1h47
